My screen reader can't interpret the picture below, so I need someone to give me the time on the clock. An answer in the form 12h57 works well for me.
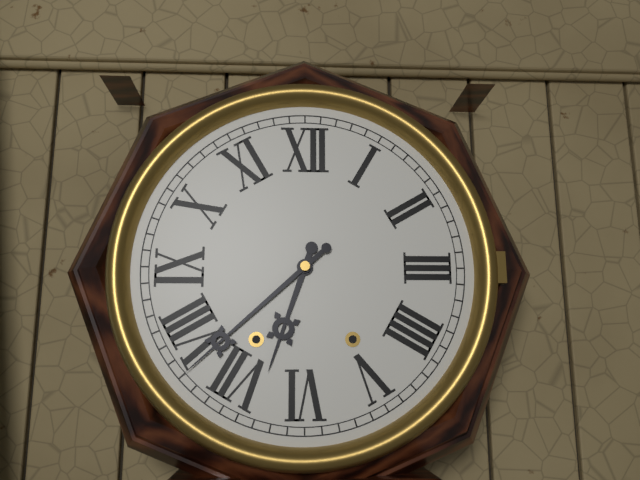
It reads 6h38
